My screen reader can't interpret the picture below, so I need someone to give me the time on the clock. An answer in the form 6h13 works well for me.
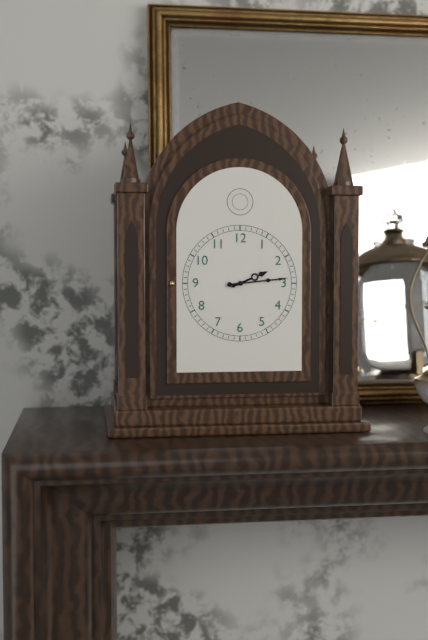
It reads 2h14
